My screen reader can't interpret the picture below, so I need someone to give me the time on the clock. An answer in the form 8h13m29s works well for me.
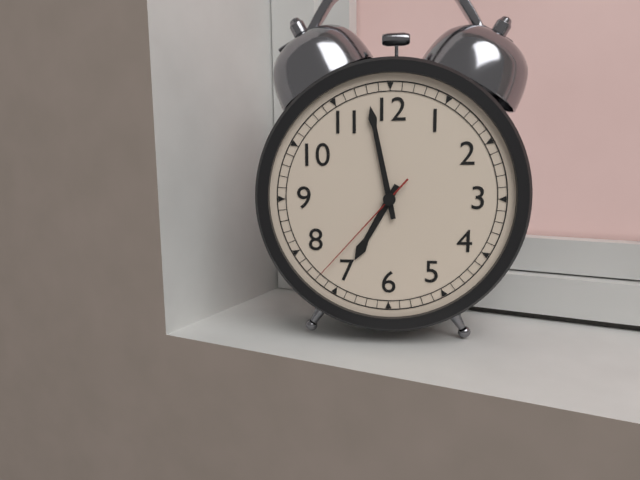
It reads 6h58m37s
